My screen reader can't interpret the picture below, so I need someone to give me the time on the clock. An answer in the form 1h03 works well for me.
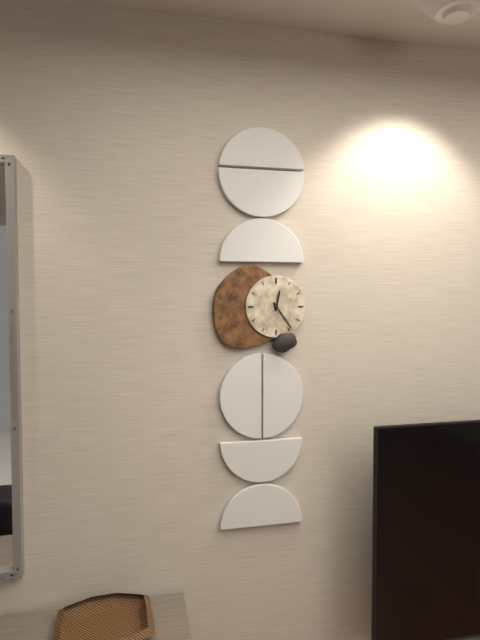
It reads 12h24
